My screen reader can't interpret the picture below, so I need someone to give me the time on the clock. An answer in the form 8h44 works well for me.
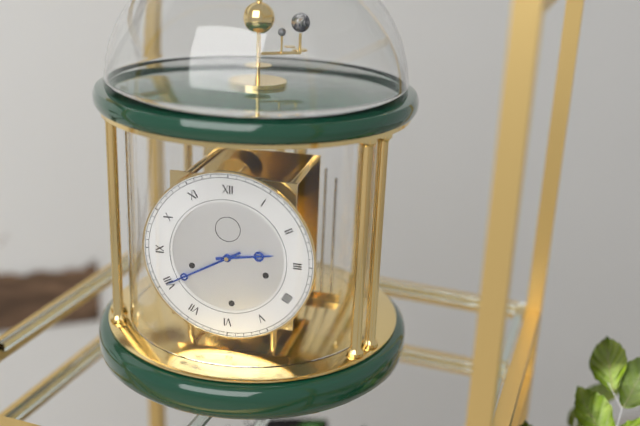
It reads 2h40
